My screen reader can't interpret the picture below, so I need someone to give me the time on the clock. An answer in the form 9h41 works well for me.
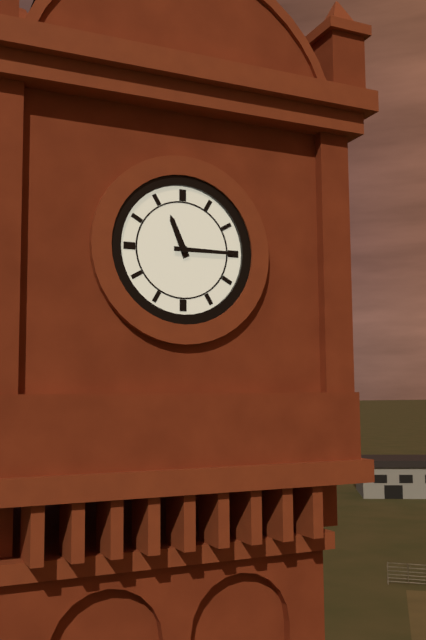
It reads 11h15
